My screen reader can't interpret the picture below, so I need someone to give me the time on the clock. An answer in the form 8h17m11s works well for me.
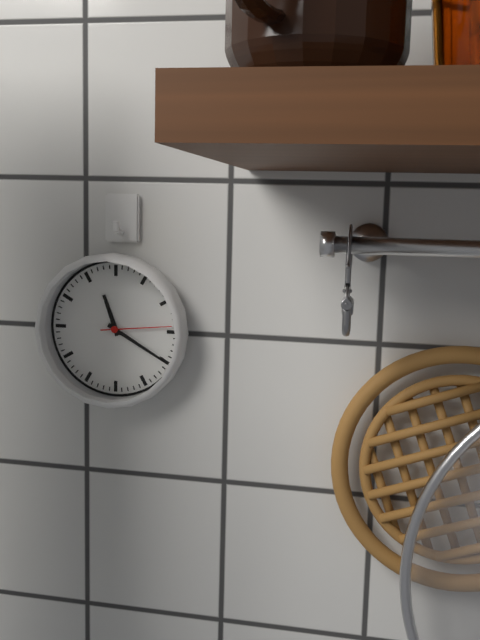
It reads 11h20m14s
